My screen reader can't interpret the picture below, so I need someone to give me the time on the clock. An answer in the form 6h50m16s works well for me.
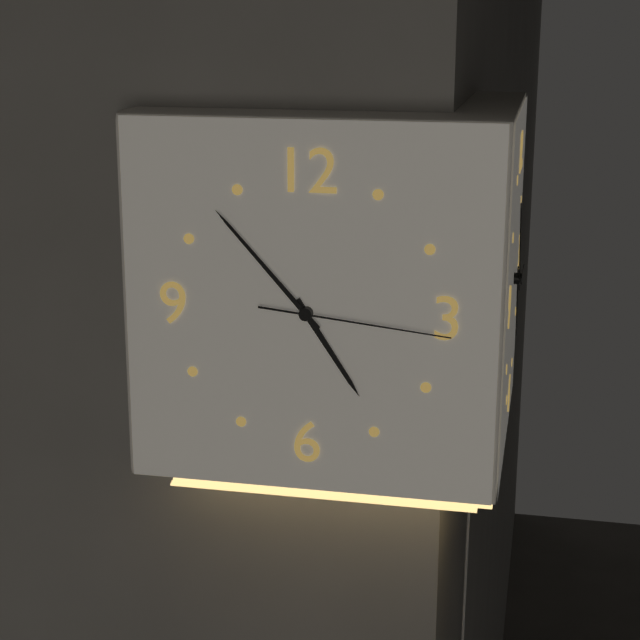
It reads 4h53m16s
